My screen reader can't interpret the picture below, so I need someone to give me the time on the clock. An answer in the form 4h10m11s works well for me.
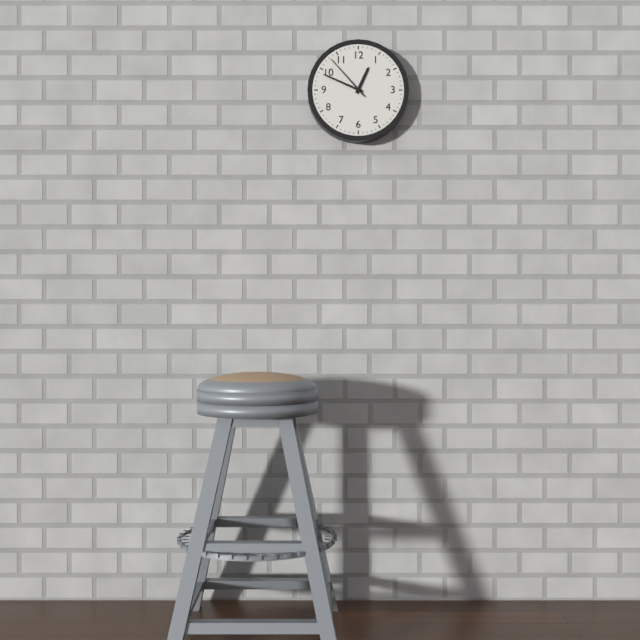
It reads 12h49m53s
